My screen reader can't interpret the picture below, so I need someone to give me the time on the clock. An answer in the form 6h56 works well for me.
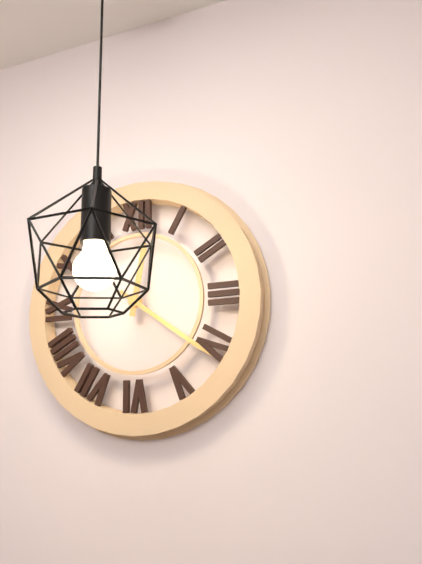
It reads 12h21
